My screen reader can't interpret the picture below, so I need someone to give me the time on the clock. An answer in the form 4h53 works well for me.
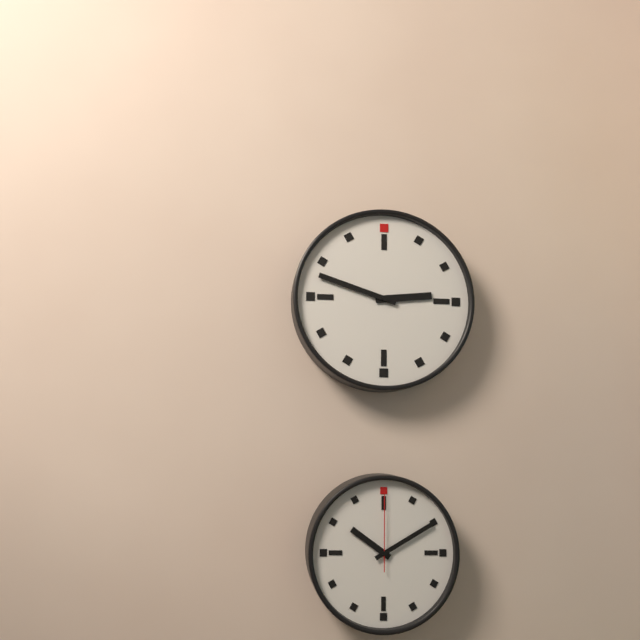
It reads 2h48
